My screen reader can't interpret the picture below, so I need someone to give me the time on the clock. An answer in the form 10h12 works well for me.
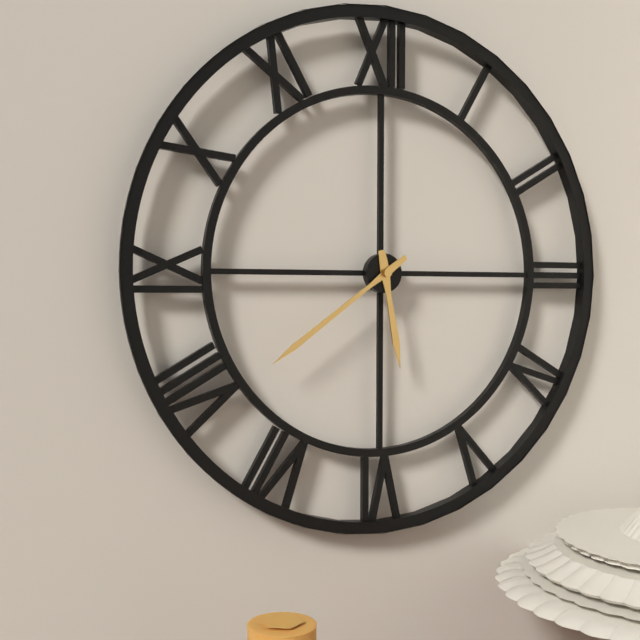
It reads 5h39
